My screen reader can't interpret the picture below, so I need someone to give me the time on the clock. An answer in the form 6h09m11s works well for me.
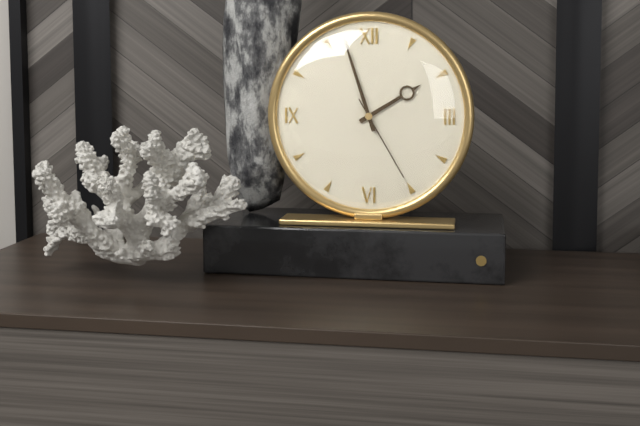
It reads 1h57m25s
